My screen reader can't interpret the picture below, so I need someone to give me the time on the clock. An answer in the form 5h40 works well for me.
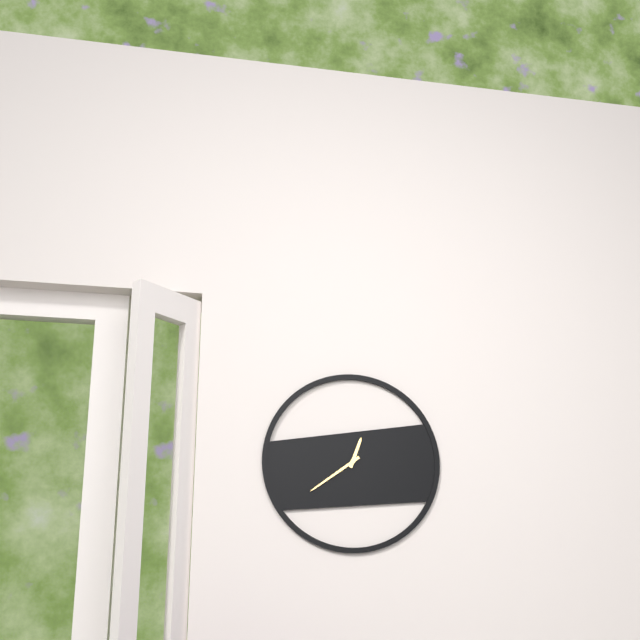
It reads 12h39
